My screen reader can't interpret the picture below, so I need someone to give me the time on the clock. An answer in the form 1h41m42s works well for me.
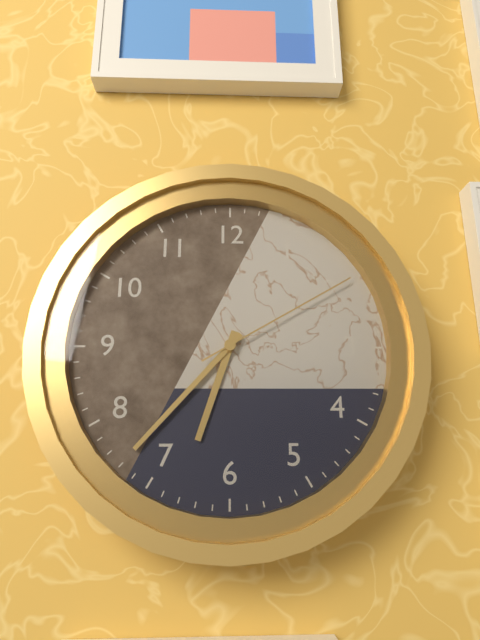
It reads 6h37m10s
